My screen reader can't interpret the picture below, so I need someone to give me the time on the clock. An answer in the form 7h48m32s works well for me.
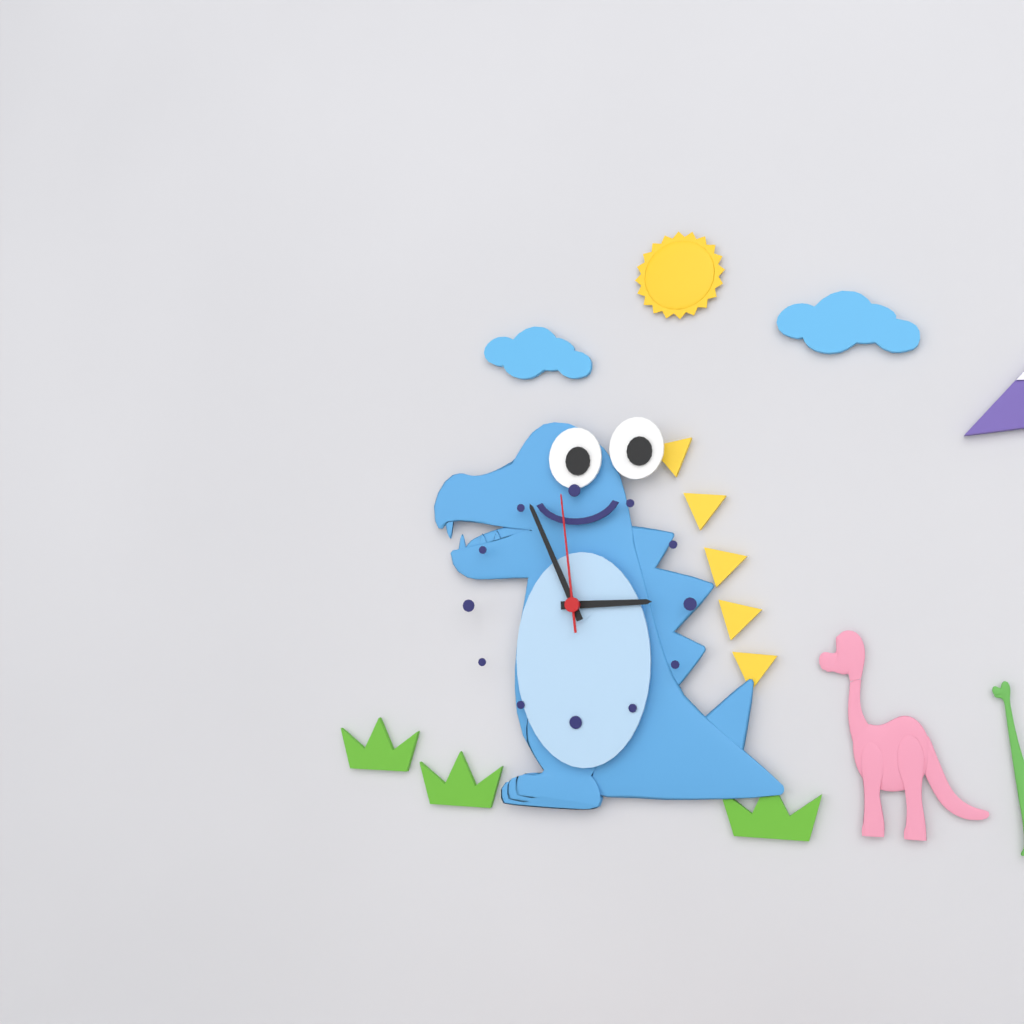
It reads 2h56m59s
